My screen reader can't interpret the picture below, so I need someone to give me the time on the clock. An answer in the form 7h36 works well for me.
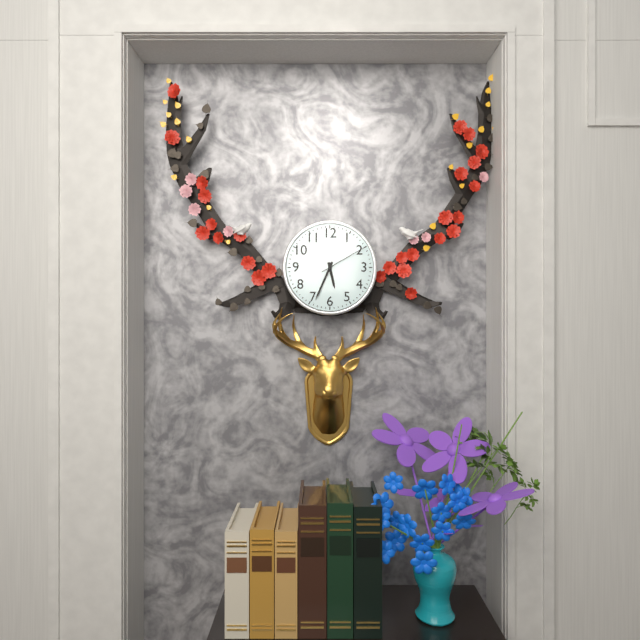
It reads 5h34
